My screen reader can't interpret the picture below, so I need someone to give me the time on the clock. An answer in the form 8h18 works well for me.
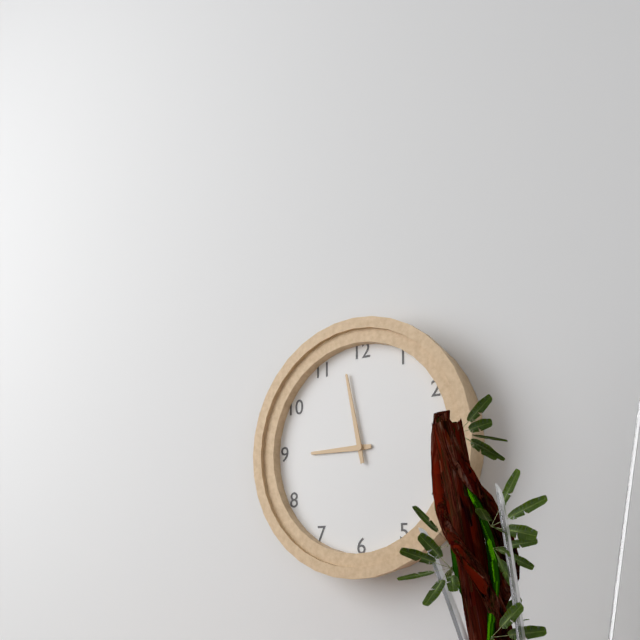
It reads 8h58
